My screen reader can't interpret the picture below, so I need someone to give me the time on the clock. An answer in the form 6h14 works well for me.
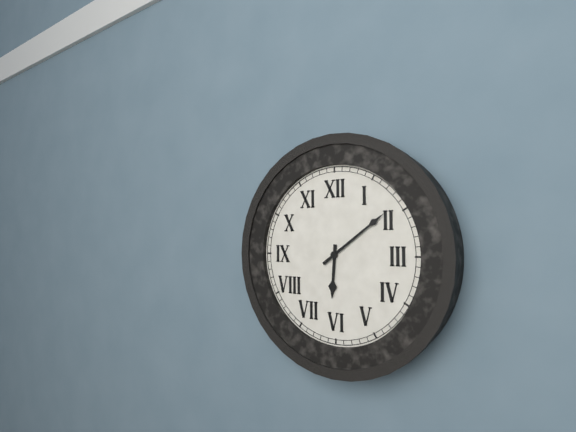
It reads 6h09
